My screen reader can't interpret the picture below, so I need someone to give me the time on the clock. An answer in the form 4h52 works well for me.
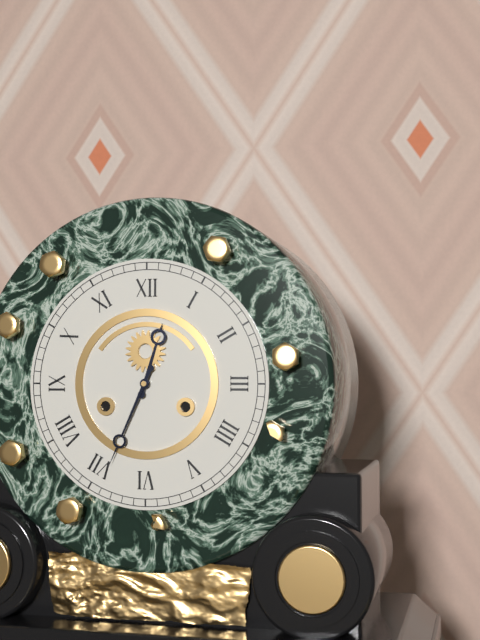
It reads 12h34
